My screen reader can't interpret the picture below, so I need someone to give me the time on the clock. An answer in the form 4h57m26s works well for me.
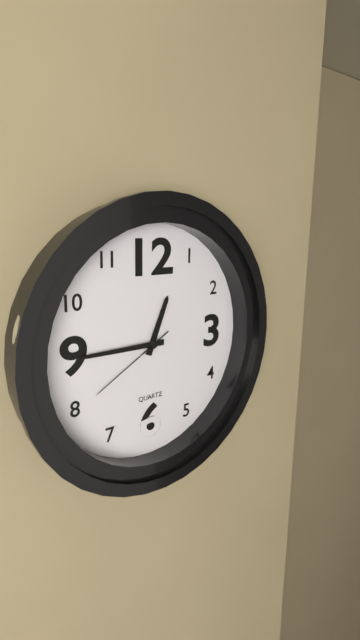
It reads 12h45m40s
